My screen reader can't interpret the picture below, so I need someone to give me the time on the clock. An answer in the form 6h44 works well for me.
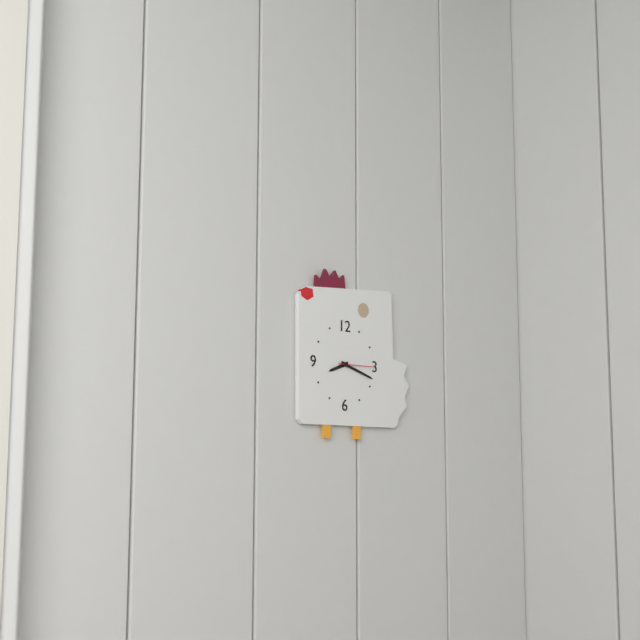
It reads 8h18
